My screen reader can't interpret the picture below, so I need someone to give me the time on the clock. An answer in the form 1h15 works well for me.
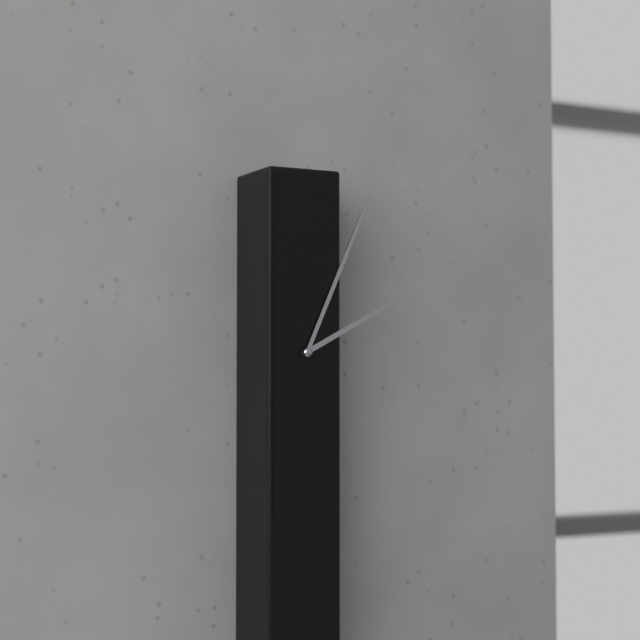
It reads 2h04
